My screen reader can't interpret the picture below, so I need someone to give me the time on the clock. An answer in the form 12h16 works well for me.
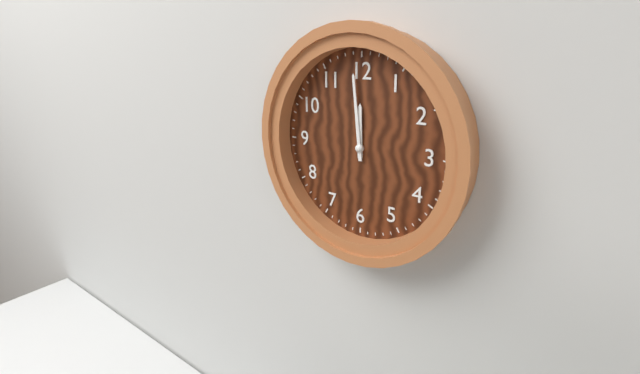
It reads 11h59
